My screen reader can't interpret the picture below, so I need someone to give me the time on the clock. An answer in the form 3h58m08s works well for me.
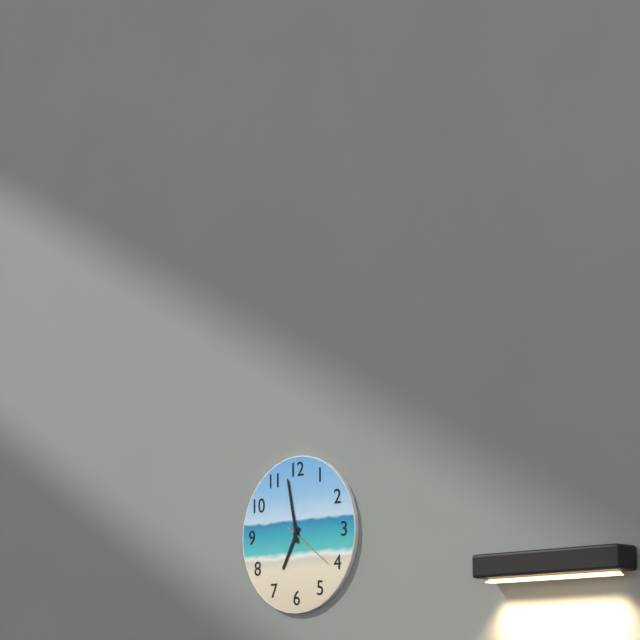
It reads 6h58m21s
